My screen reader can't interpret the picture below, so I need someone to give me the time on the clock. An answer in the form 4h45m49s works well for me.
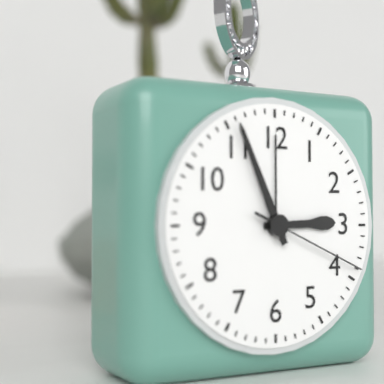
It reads 2h56m19s
